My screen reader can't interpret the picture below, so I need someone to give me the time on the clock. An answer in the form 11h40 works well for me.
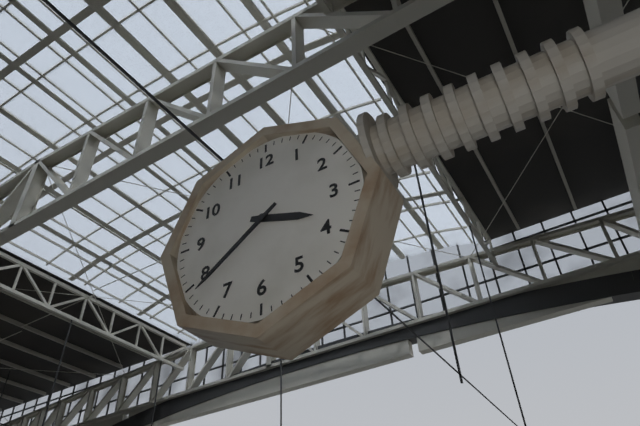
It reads 3h39
